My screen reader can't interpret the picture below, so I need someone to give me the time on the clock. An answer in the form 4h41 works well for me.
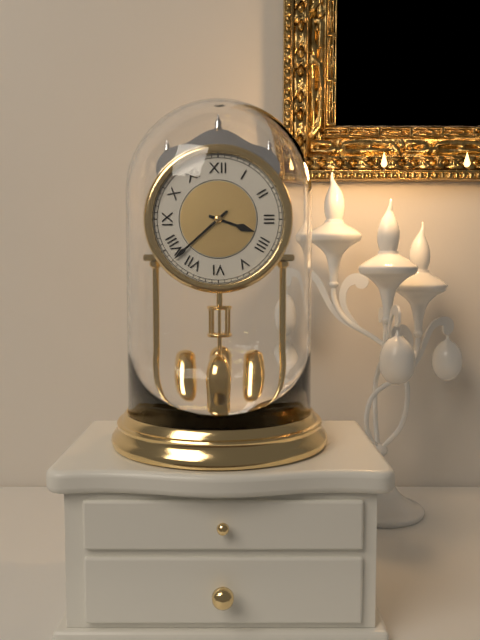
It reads 3h38
